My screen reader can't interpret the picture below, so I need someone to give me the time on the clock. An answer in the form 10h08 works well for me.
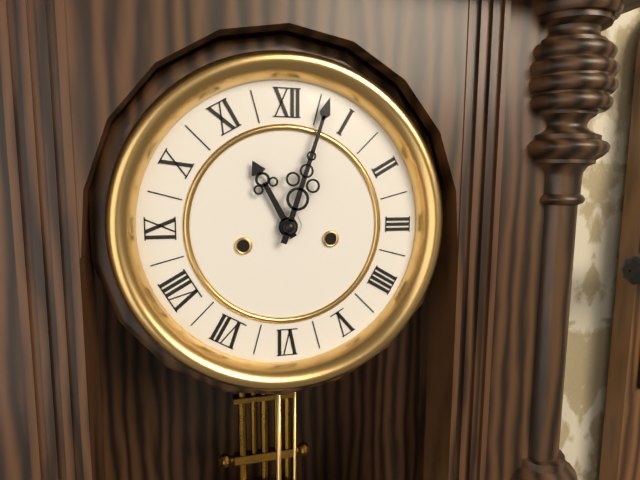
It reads 11h03
